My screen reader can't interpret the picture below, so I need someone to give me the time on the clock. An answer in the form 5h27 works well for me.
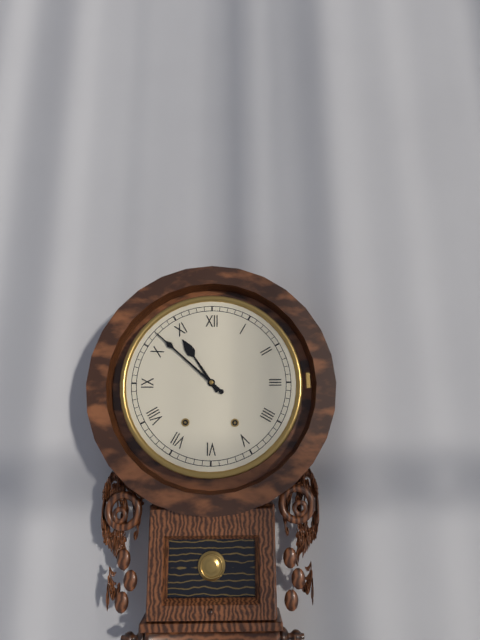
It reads 10h52
